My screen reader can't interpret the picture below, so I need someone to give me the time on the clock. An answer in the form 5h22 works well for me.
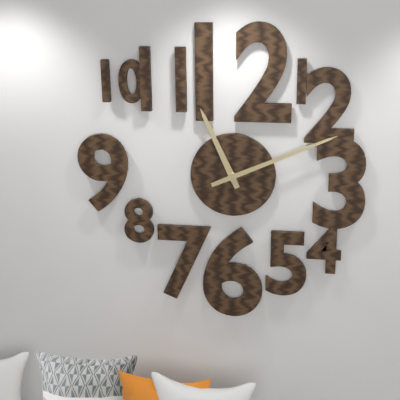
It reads 11h11
